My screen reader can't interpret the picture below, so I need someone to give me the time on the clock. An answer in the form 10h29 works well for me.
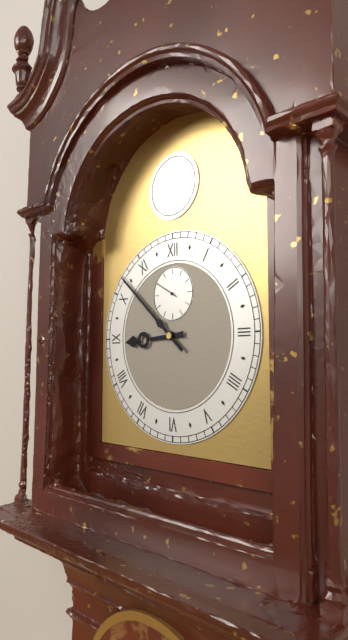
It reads 8h52
